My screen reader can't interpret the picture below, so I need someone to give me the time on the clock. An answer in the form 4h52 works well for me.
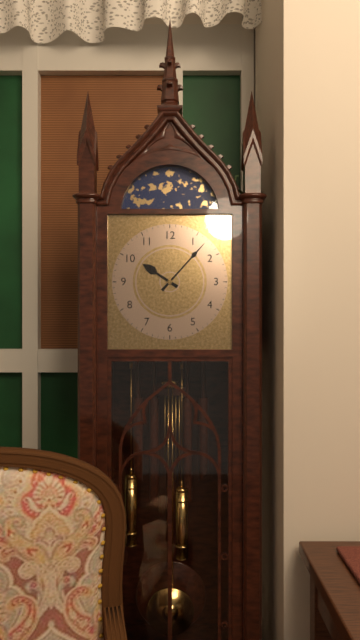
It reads 10h07
